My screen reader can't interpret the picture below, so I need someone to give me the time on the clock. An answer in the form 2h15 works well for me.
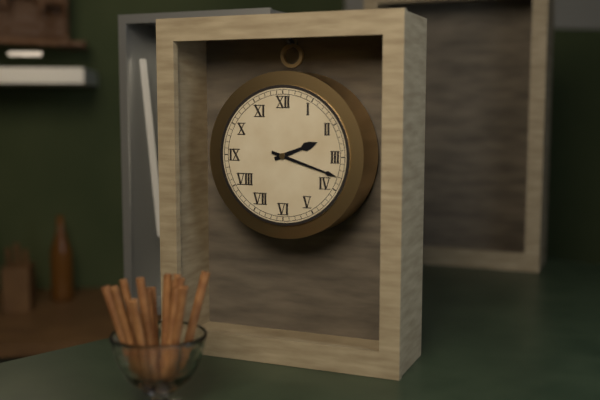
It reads 2h18
